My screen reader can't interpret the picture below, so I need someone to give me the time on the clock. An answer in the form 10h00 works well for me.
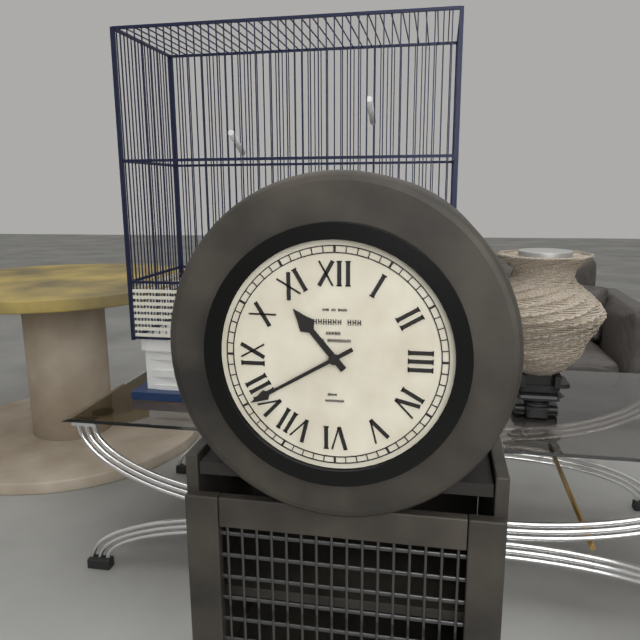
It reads 10h40
